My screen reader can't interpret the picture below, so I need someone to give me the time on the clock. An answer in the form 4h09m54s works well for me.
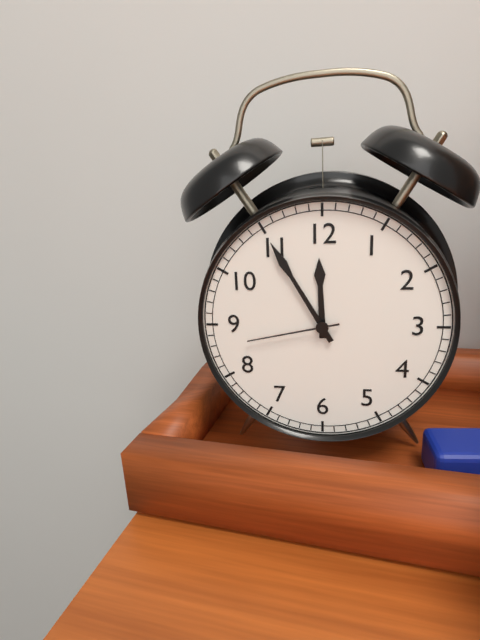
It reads 11h55m43s
